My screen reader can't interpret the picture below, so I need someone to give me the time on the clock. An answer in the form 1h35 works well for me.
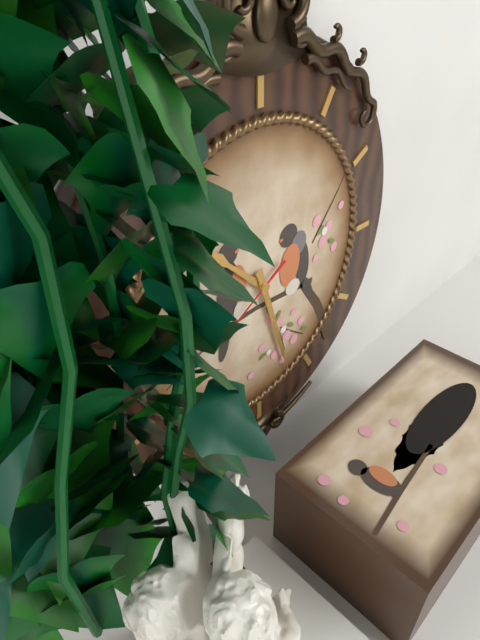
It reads 10h27
